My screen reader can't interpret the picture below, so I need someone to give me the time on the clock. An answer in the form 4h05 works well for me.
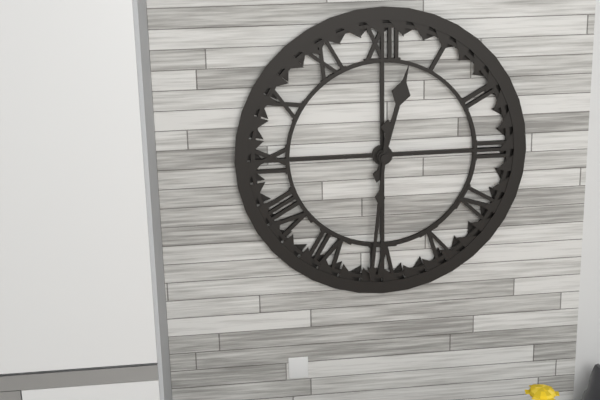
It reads 12h31
